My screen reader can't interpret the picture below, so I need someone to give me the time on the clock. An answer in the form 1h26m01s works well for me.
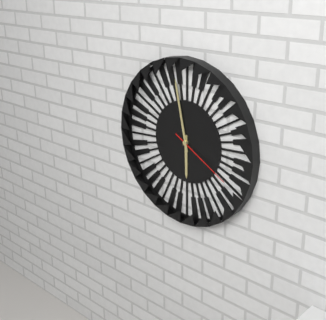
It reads 5h58m20s
